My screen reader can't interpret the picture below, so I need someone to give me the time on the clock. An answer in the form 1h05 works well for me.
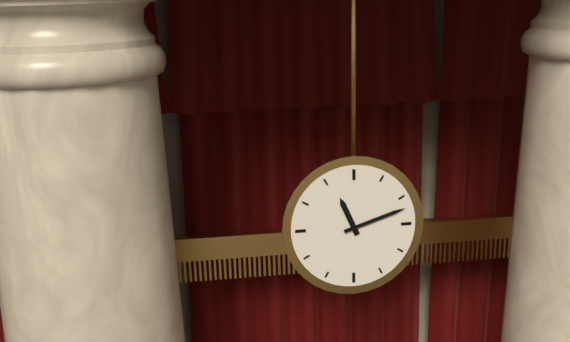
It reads 11h12
